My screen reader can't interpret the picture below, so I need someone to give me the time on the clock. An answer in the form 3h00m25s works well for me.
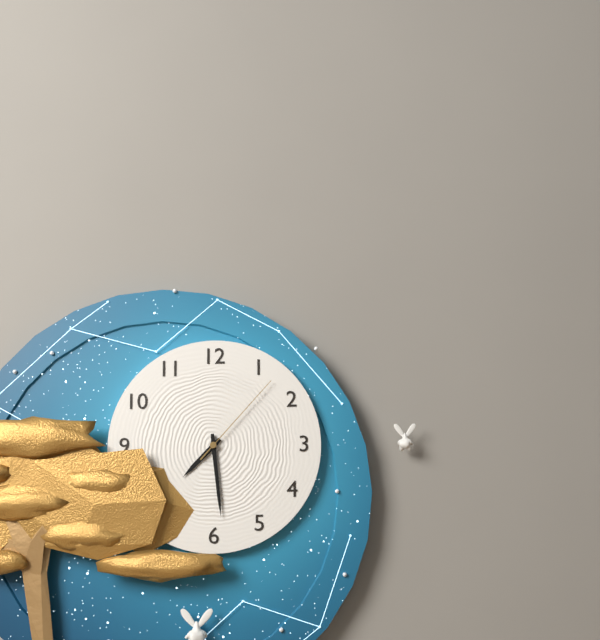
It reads 7h29m07s
